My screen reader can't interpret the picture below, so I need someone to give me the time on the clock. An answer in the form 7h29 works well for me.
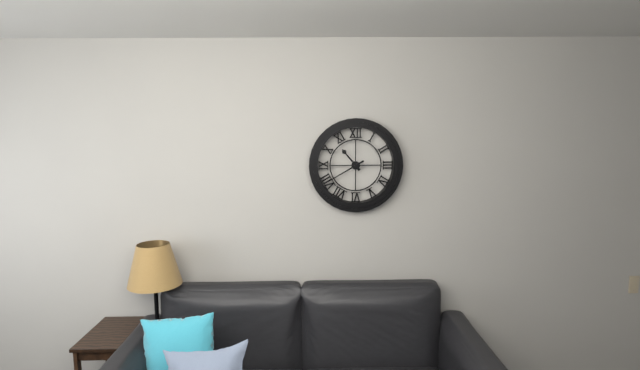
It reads 10h40
